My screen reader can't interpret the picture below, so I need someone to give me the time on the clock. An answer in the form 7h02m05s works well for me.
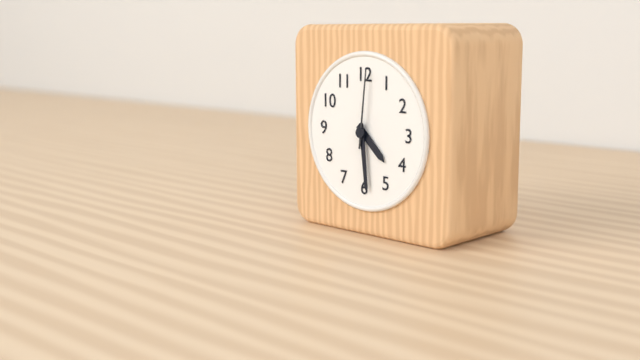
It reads 4h29m01s
